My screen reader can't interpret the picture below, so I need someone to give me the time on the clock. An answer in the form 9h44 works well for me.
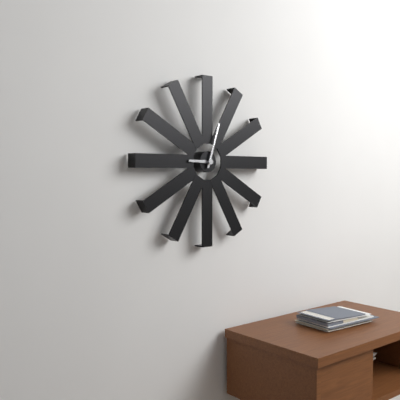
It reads 9h03
